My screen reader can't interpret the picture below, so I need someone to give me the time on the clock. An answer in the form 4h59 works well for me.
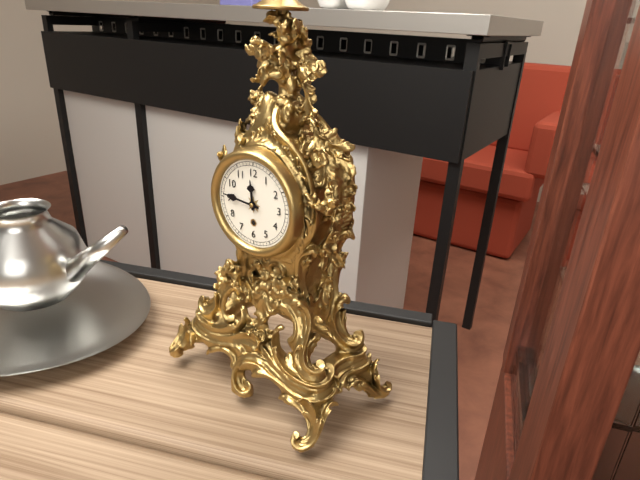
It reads 11h46
